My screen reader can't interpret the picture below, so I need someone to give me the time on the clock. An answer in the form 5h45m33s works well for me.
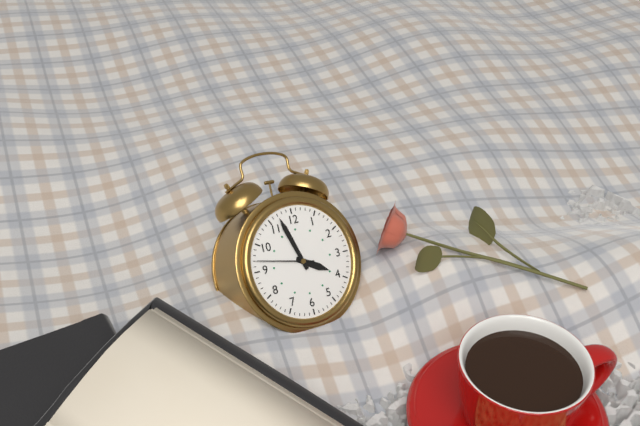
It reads 3h57m47s
